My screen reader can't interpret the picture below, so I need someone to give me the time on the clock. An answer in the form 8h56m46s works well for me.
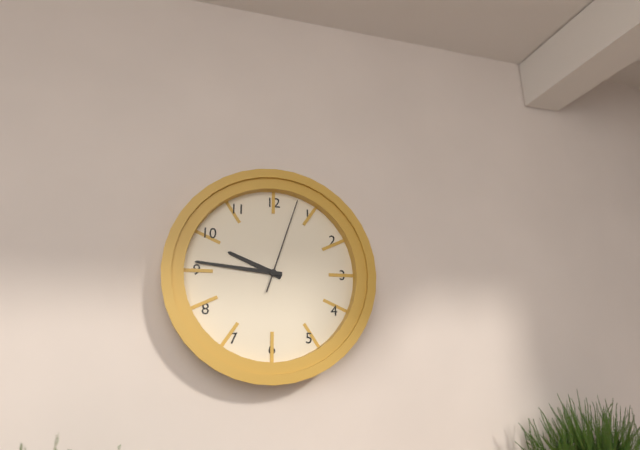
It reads 9h46m03s
